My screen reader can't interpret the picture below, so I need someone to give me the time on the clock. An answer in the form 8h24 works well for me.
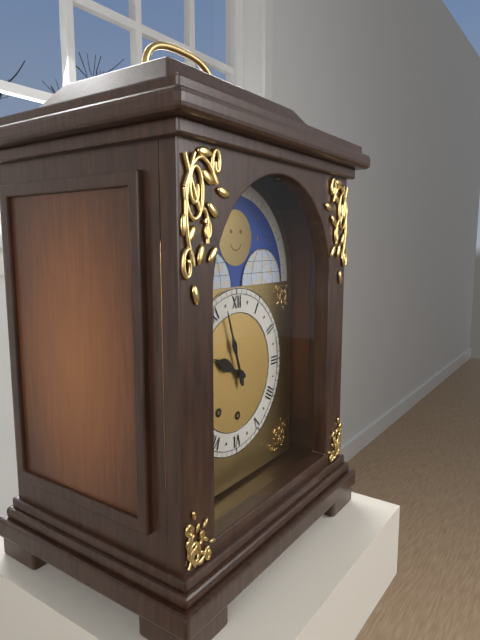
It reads 9h57
